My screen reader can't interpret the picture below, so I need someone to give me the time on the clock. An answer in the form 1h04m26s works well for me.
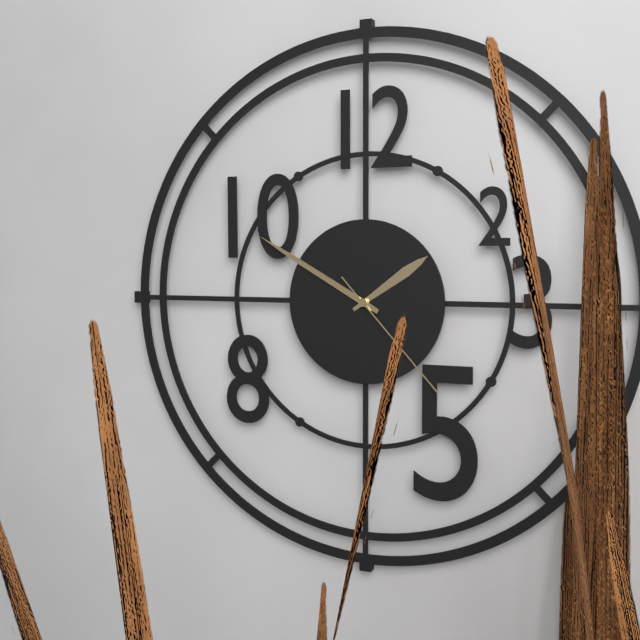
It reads 1h50m23s
